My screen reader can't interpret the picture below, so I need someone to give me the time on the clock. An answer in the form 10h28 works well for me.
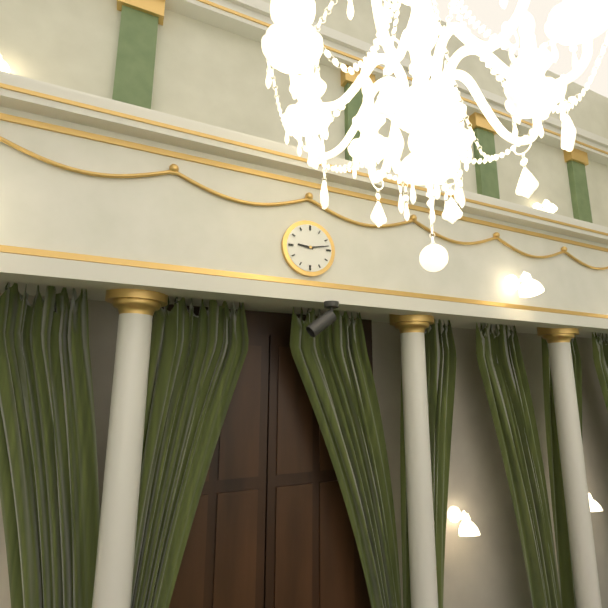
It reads 9h13
